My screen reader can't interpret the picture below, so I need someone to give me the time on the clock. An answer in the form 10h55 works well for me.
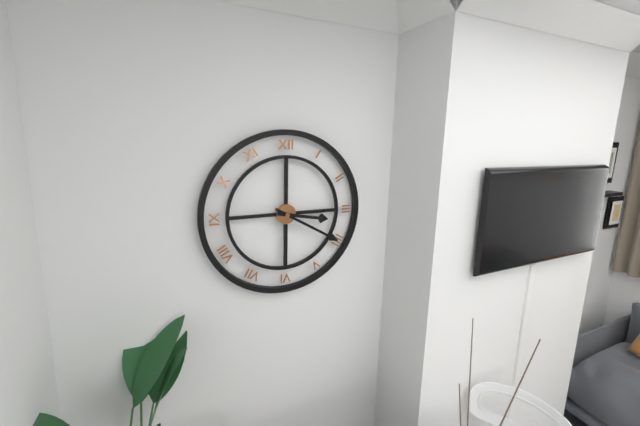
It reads 3h20
